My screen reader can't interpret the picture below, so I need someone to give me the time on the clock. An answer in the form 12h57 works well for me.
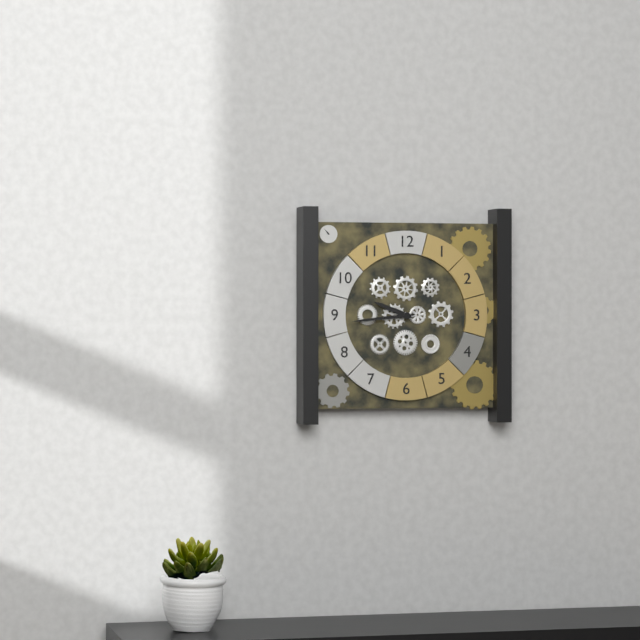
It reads 9h44
